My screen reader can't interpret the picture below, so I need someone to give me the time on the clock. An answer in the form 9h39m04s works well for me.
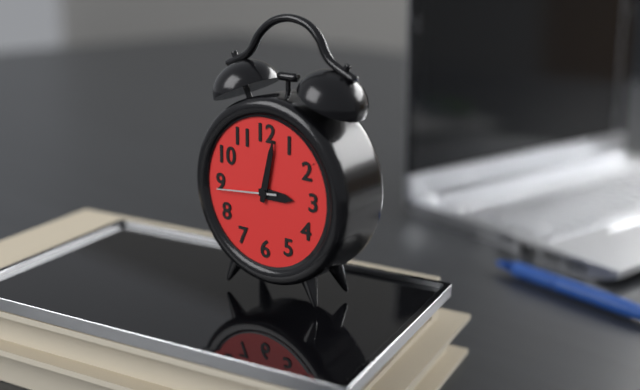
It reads 3h02m44s
